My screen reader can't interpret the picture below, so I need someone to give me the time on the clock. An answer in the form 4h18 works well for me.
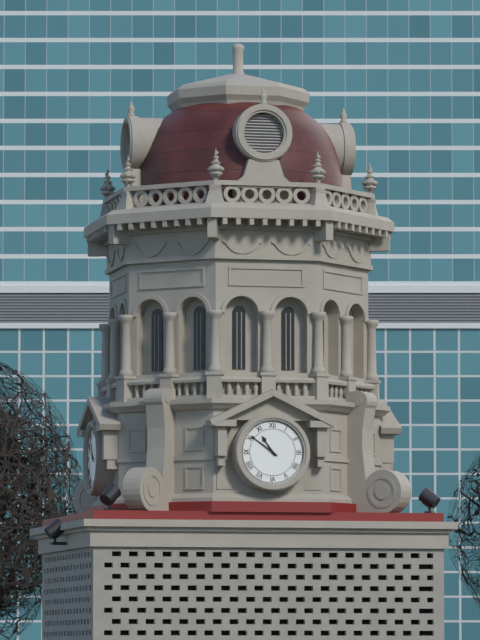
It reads 10h51
